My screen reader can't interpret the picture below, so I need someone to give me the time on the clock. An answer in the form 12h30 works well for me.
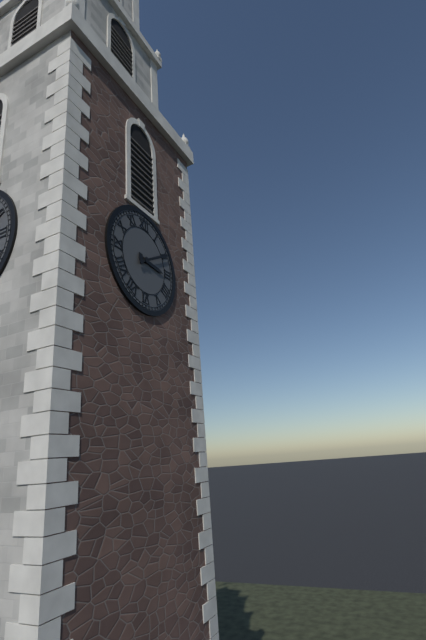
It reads 3h10
